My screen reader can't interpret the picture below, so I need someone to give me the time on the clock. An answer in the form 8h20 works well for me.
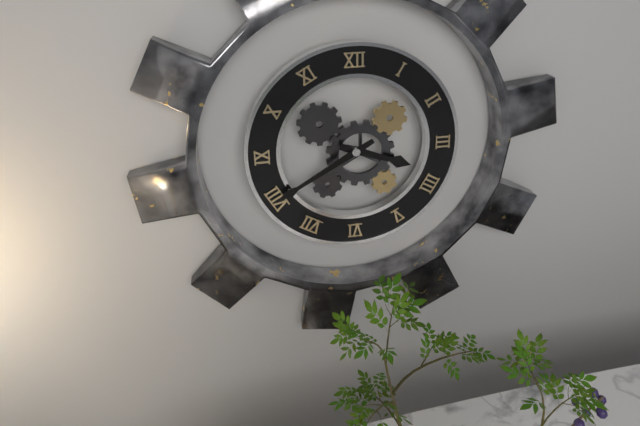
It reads 3h40
